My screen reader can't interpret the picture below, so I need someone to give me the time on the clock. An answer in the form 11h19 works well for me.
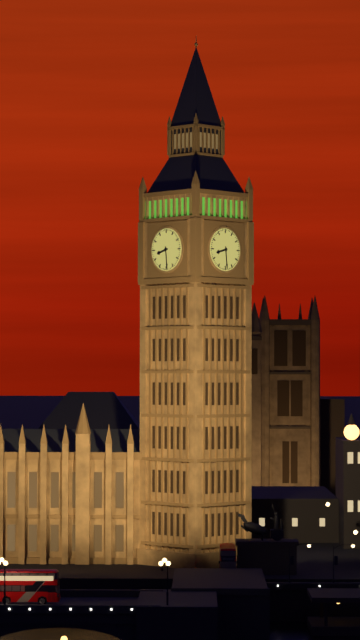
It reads 8h29
